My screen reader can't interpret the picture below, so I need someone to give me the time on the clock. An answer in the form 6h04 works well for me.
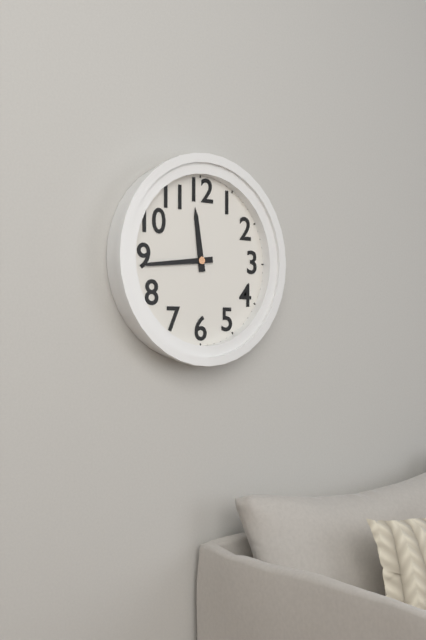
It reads 11h44
